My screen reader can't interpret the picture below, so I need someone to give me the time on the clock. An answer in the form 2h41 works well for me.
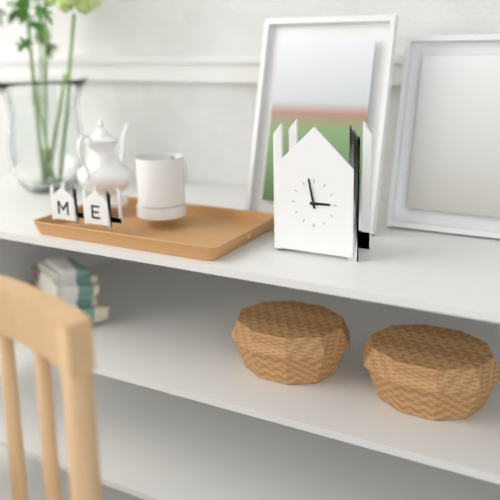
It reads 2h58
